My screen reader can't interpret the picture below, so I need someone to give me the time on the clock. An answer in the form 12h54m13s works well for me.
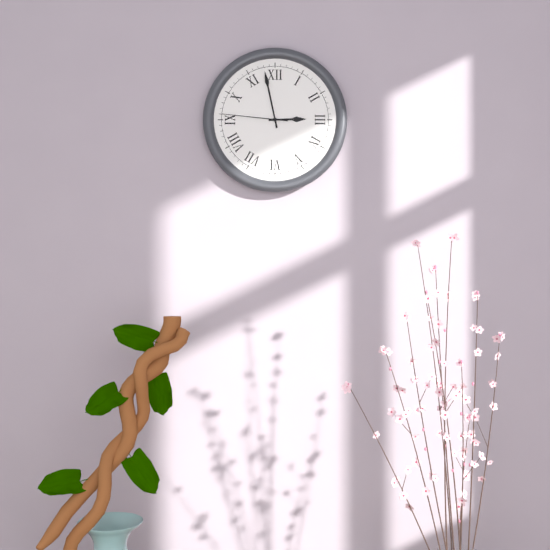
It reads 2h58m46s
